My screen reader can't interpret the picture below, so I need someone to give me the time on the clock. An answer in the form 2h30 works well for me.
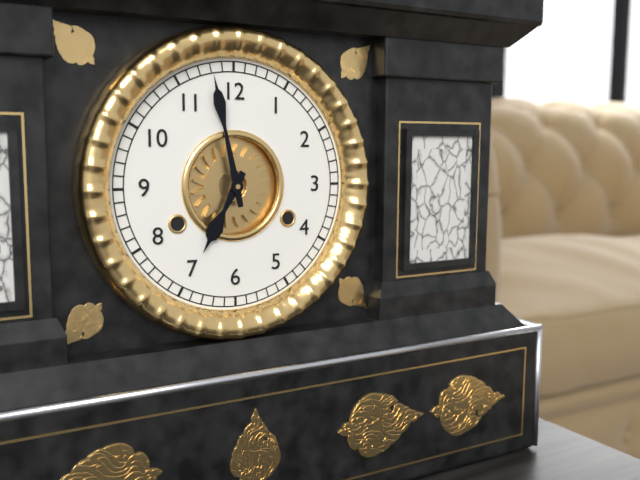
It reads 6h58
